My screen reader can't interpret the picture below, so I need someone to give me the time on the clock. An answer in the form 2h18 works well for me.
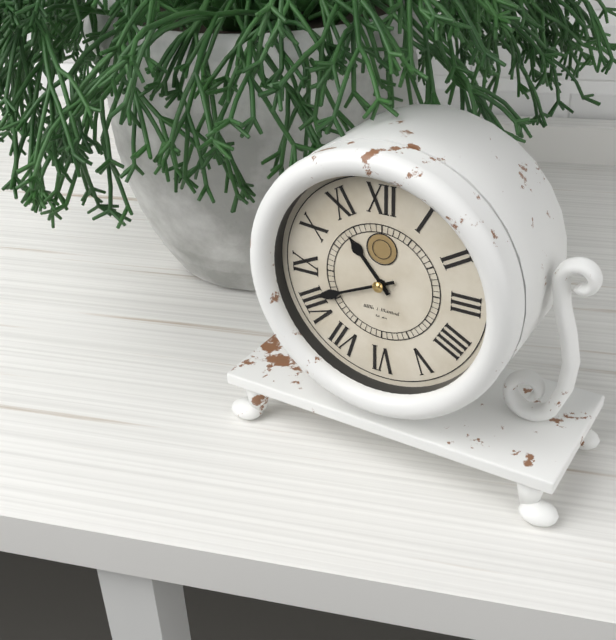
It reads 10h41
